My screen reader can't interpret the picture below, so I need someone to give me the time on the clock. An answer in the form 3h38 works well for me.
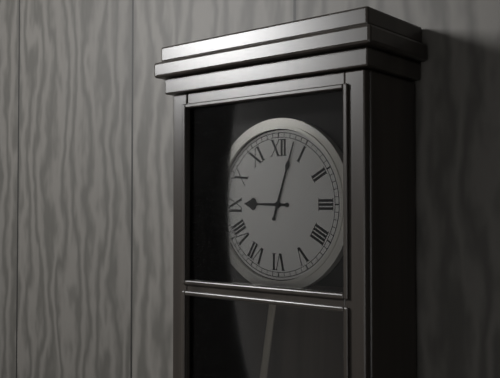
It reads 9h03
